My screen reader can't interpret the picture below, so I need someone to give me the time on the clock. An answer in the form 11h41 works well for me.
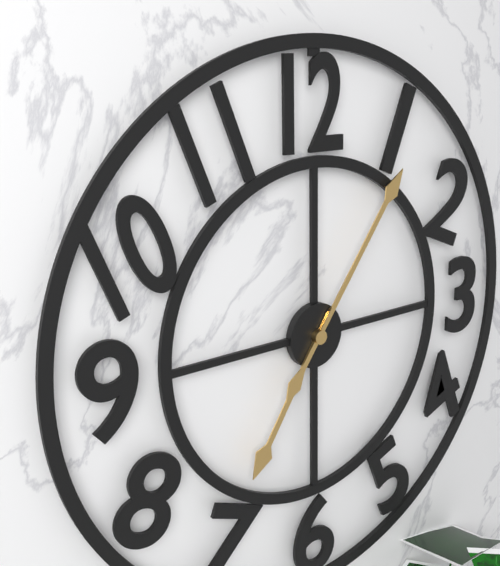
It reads 7h06
